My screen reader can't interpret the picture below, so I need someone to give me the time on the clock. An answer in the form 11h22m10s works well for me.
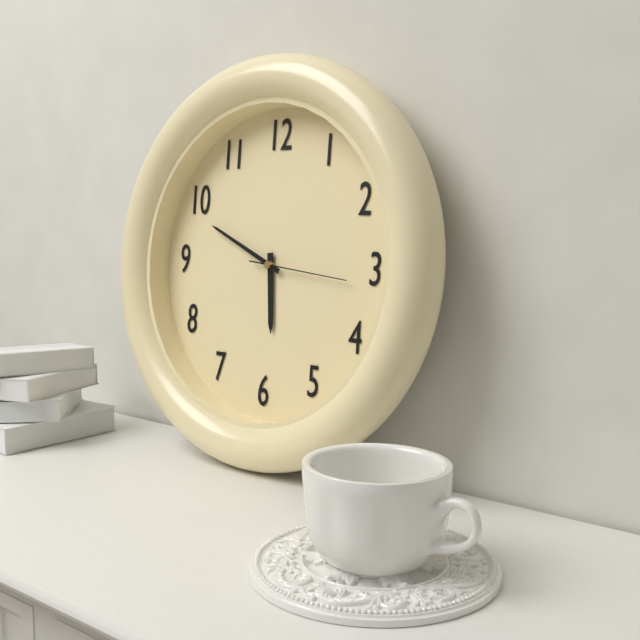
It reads 5h49m16s
